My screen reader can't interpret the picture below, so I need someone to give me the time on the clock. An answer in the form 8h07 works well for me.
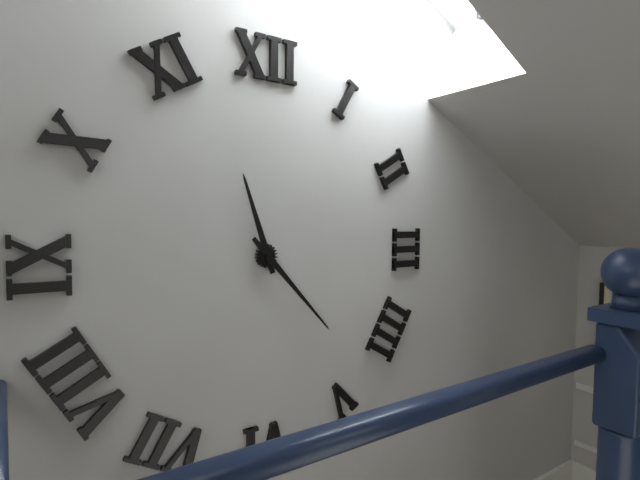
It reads 11h23
